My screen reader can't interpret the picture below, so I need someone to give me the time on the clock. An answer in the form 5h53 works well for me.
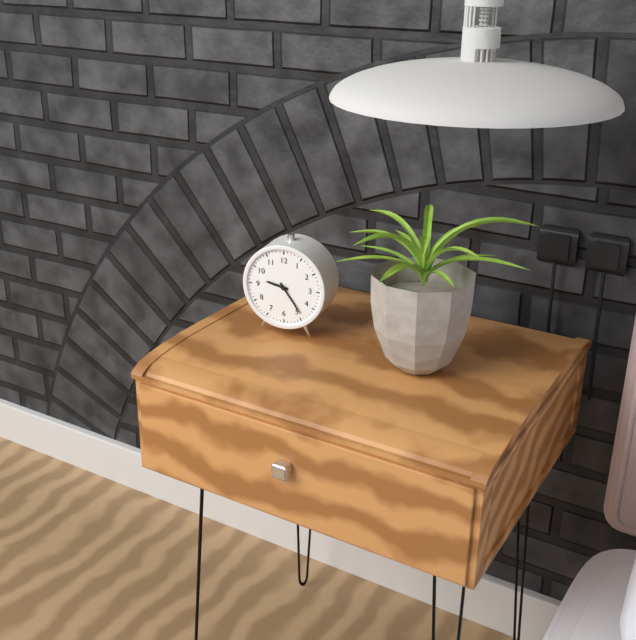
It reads 9h24
